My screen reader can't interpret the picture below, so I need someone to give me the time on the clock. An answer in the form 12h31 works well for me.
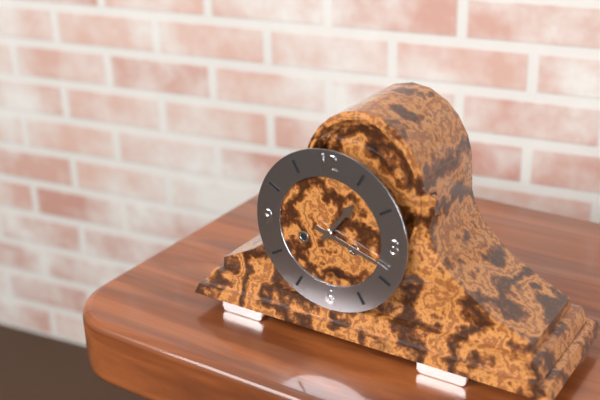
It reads 1h18
